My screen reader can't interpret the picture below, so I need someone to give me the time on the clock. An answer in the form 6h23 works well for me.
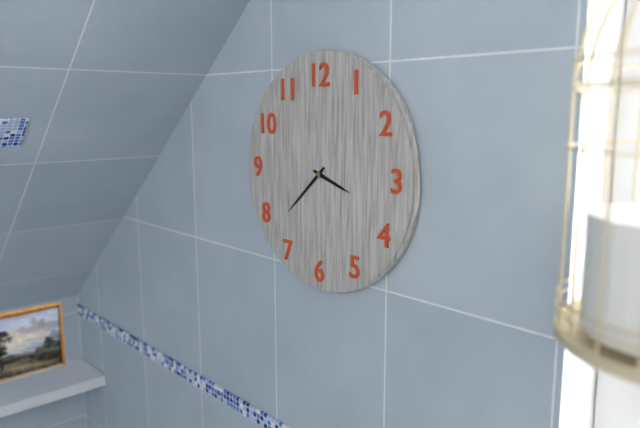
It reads 3h38
